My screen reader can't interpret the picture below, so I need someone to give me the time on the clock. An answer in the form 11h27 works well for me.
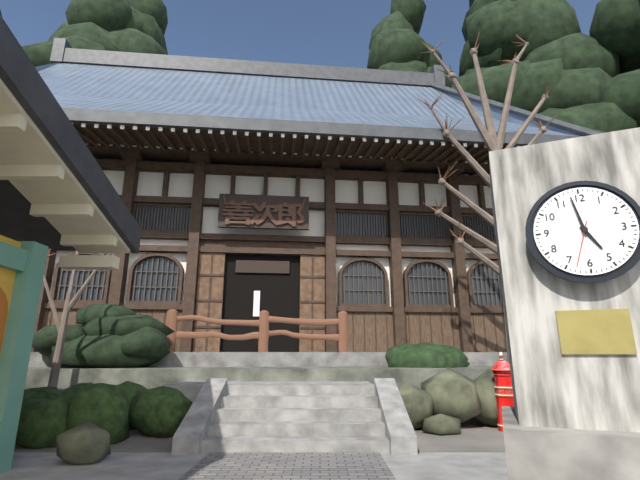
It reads 4h58
